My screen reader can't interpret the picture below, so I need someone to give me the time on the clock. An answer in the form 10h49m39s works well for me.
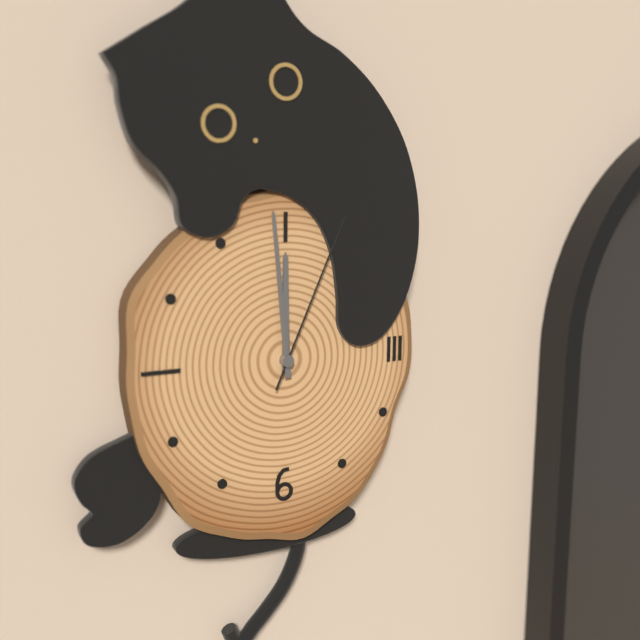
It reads 11h59m04s
